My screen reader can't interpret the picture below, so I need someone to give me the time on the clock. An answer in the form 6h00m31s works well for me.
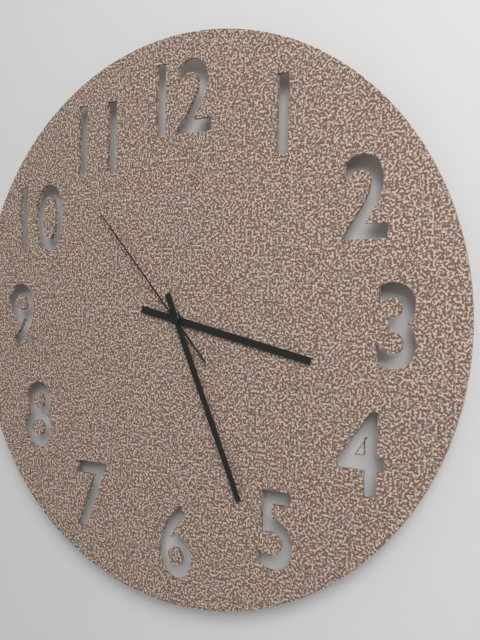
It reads 3h26m53s
